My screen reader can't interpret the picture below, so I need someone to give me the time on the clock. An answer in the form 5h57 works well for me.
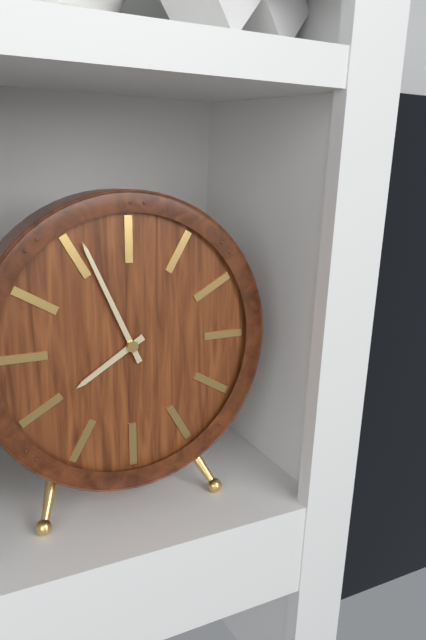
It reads 7h56
